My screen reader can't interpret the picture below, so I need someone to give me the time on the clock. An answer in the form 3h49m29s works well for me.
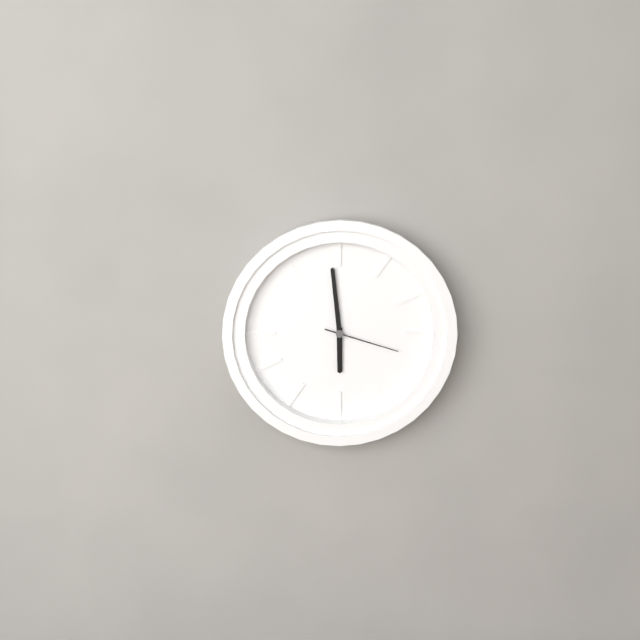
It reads 5h59m18s
